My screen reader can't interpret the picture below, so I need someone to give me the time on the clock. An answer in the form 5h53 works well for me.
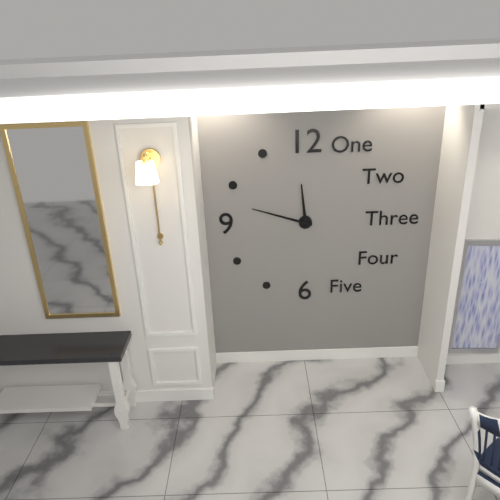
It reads 11h48
